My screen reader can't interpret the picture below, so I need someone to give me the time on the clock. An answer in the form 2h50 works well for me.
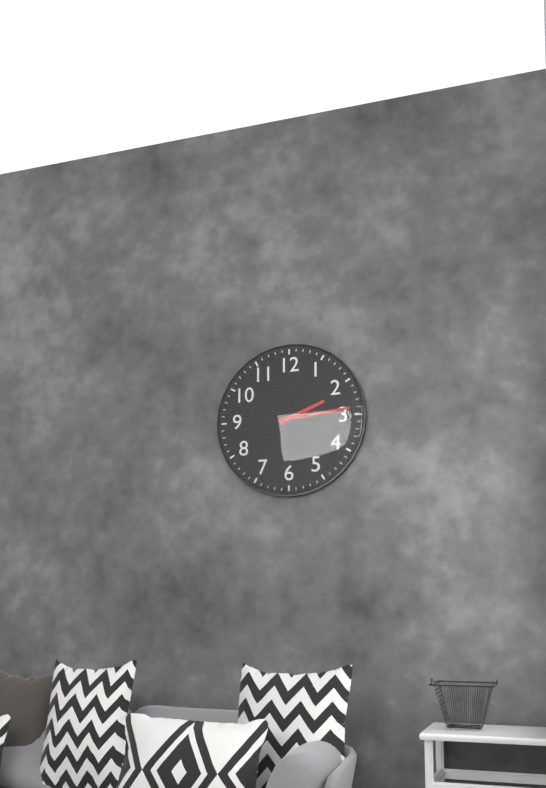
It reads 2h14
